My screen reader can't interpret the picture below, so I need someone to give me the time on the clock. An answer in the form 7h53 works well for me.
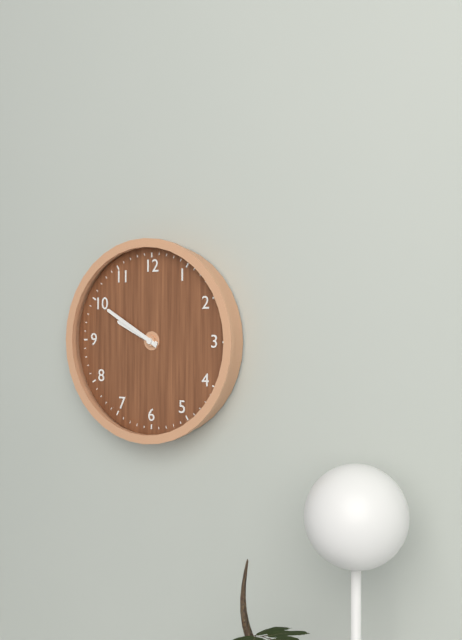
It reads 9h50
